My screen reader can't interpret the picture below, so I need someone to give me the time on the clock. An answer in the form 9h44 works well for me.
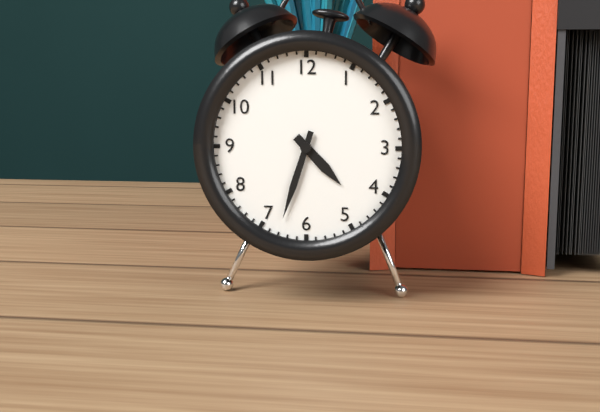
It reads 4h33
